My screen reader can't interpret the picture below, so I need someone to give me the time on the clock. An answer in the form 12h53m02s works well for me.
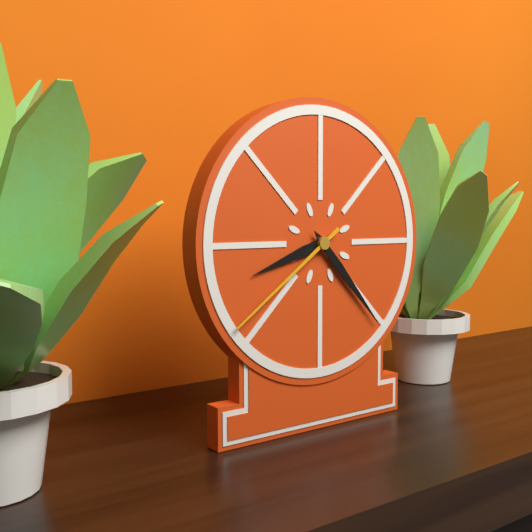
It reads 8h23m39s
